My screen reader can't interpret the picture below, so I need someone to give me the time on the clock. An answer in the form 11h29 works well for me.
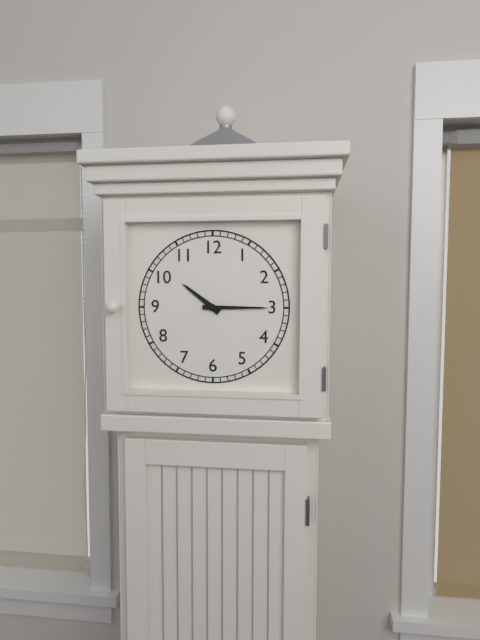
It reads 10h15
